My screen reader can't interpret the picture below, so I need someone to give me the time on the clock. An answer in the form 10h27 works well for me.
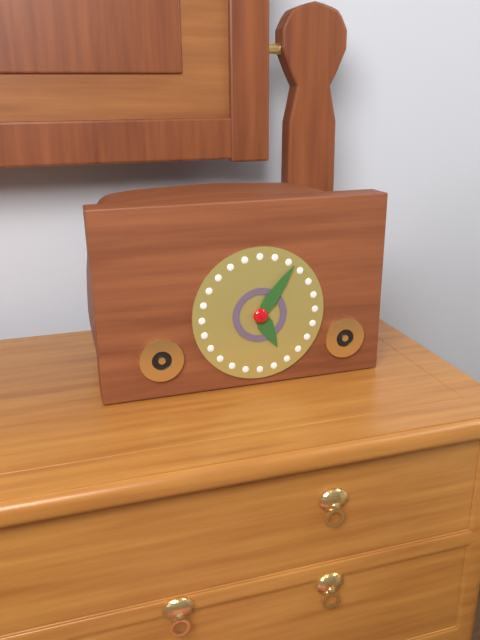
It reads 5h06
